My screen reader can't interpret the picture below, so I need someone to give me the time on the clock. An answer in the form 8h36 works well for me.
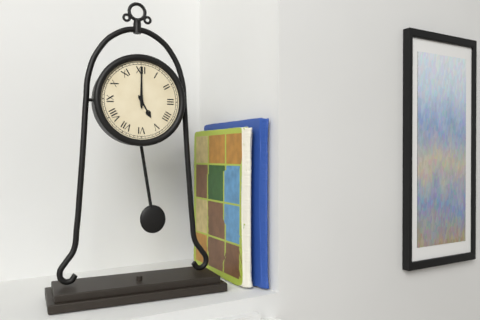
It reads 5h00
